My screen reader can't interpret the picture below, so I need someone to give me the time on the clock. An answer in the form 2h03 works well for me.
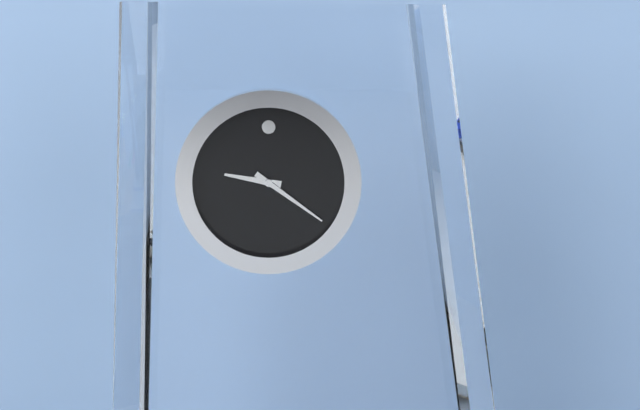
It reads 9h21
